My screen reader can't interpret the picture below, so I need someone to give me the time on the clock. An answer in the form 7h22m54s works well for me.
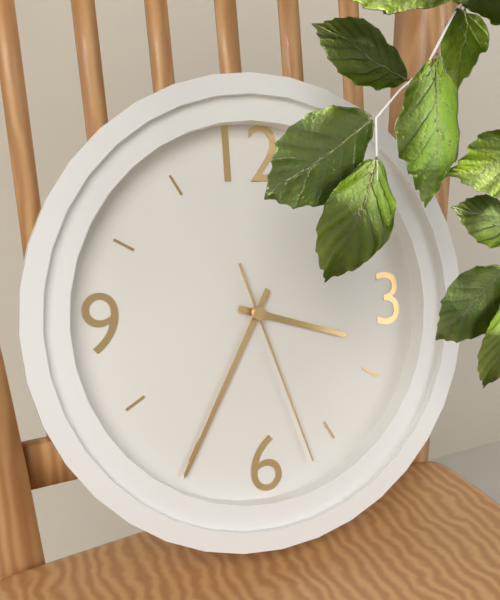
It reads 3h35m27s
